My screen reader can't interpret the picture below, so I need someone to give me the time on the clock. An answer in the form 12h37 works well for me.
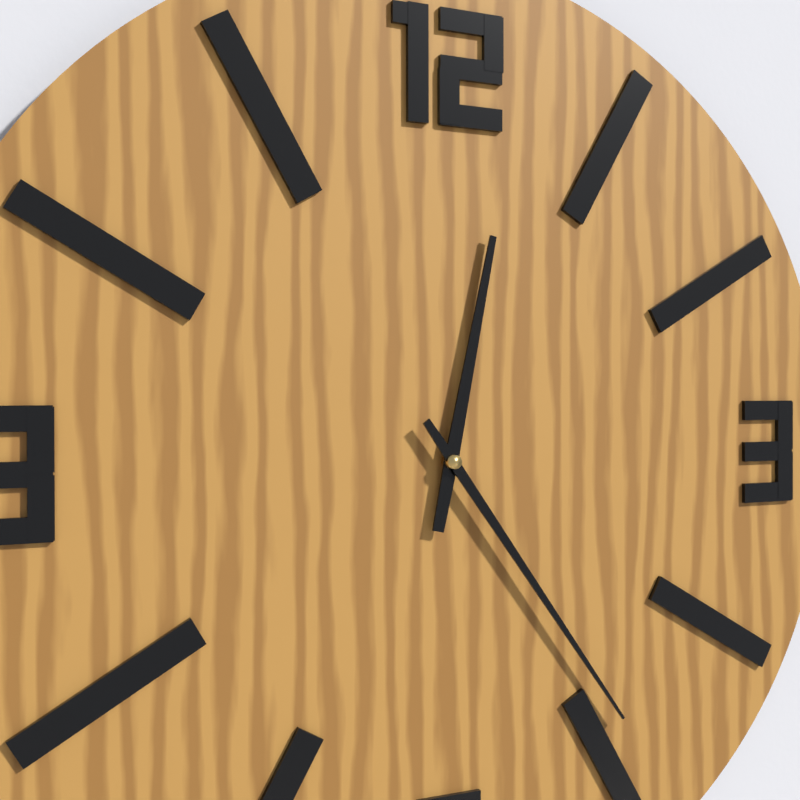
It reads 12h24
